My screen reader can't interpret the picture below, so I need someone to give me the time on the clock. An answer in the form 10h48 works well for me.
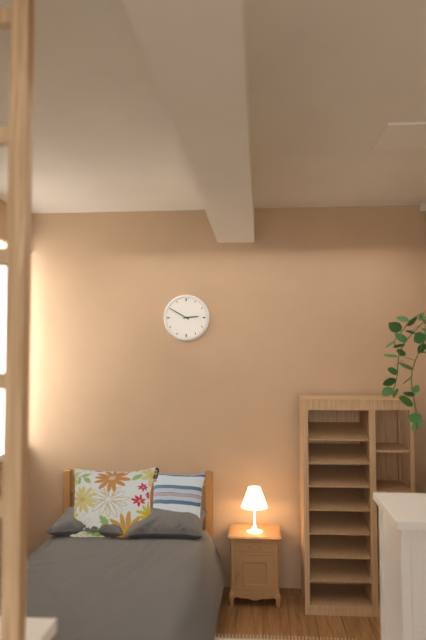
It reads 2h50
